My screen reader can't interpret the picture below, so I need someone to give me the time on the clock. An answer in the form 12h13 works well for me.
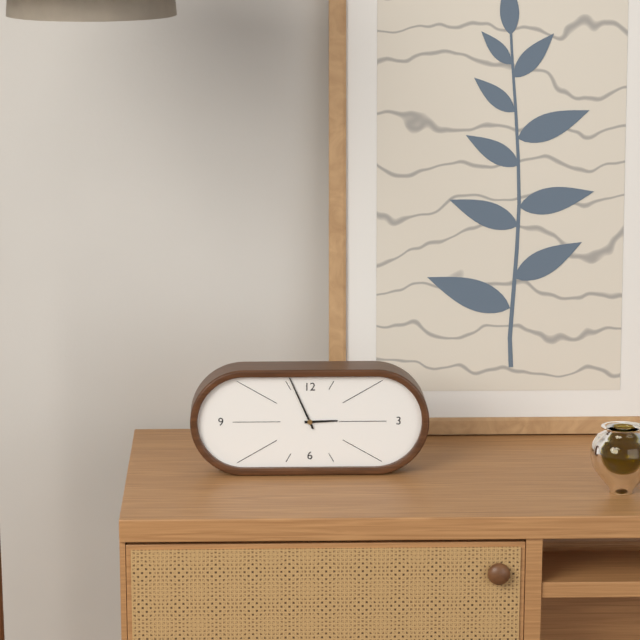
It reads 2h56
